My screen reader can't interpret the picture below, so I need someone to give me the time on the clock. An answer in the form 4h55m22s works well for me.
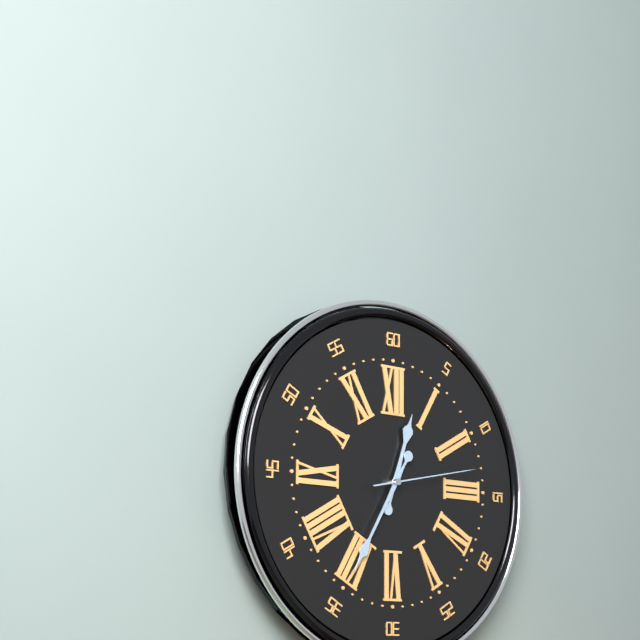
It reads 12h35m13s
